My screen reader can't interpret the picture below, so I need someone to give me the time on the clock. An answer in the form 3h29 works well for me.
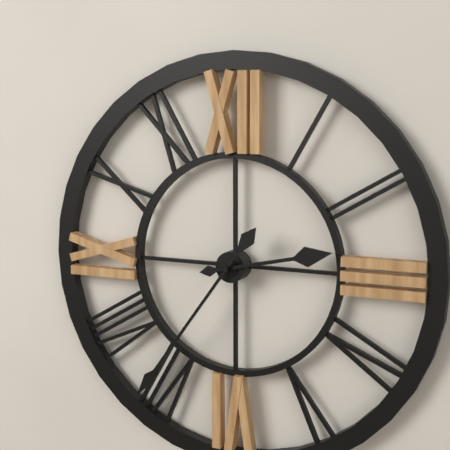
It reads 2h36
